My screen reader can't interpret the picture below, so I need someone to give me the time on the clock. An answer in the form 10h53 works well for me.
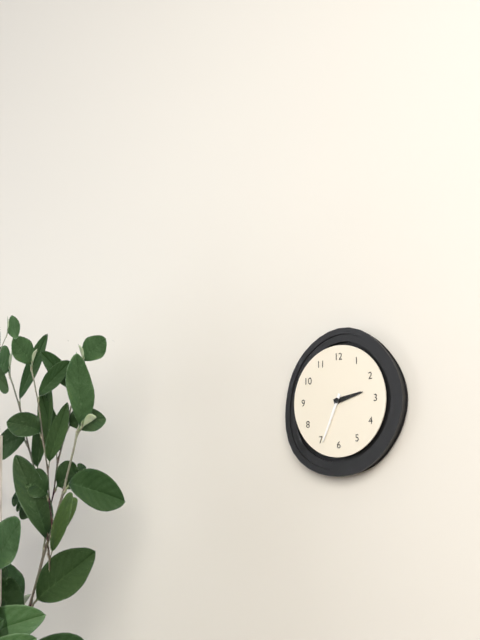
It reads 2h34
